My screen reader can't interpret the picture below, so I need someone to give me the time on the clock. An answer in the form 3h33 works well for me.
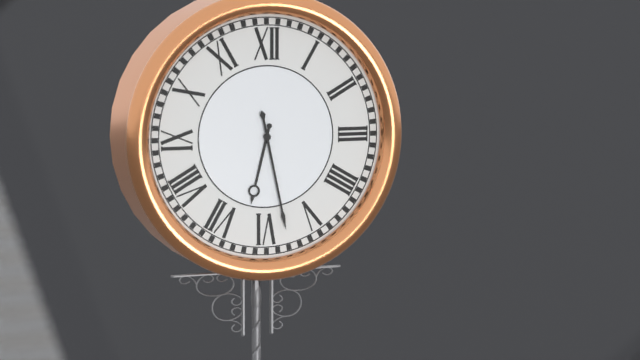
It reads 6h28
